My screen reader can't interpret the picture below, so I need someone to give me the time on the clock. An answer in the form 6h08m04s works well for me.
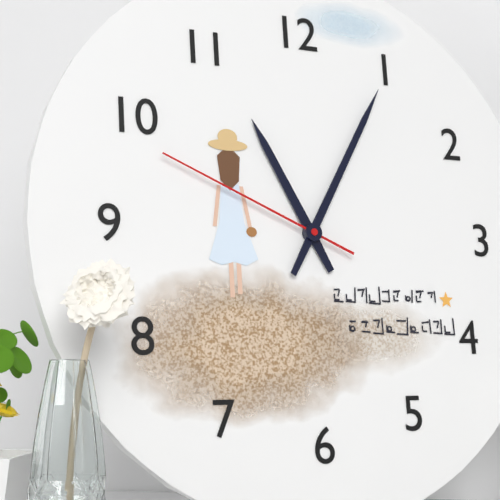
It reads 11h05m49s
